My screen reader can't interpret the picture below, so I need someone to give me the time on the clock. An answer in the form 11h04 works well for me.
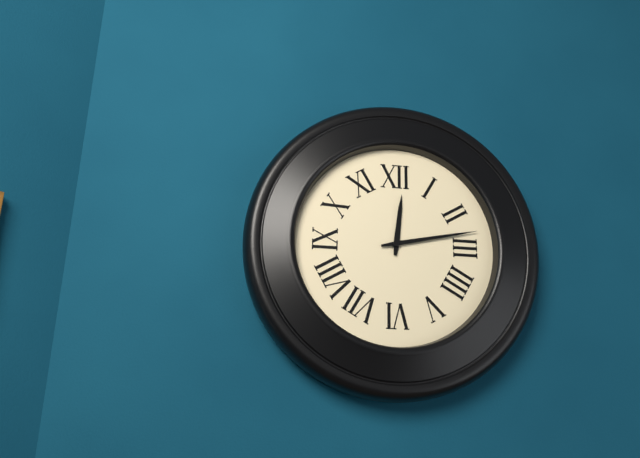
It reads 12h13
